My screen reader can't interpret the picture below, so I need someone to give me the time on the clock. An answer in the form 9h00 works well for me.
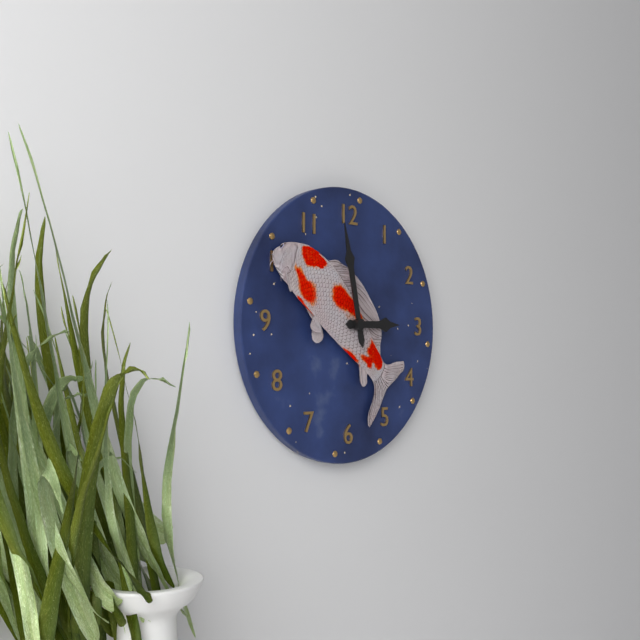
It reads 2h58
